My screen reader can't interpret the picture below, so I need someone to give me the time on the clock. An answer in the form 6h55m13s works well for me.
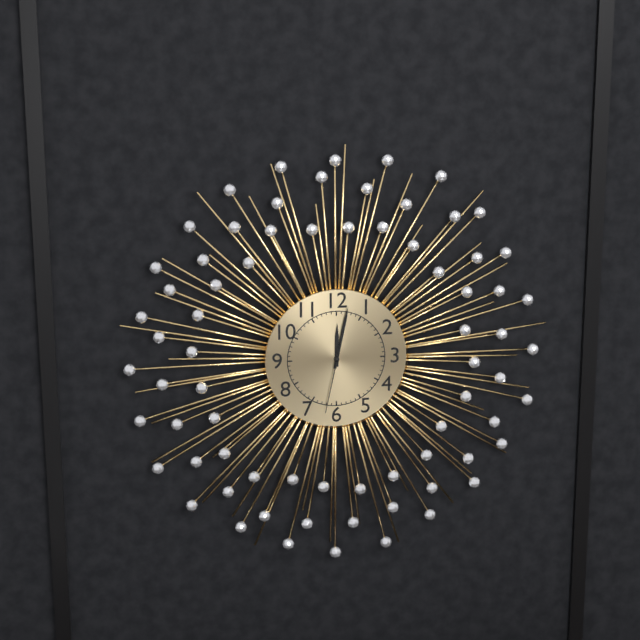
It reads 12h02m32s
